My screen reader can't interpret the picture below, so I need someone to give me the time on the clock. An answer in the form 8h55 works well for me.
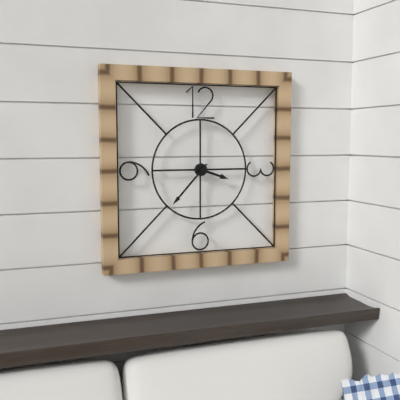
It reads 3h37
